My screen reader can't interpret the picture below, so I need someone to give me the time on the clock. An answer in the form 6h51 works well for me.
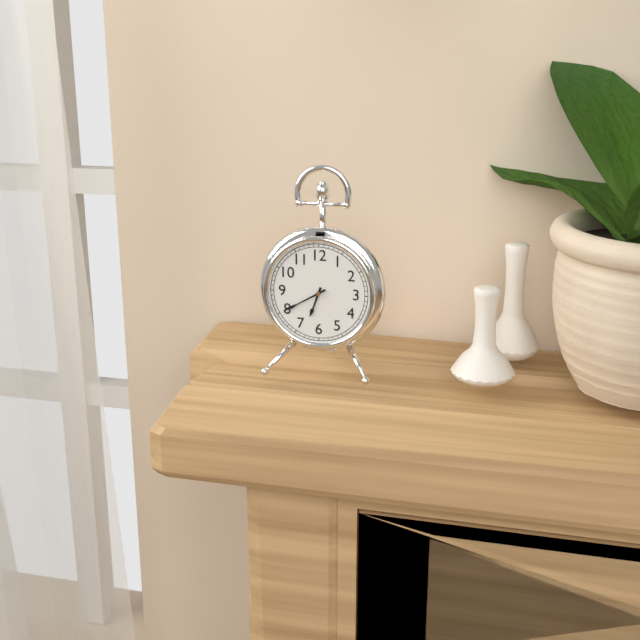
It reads 6h40
